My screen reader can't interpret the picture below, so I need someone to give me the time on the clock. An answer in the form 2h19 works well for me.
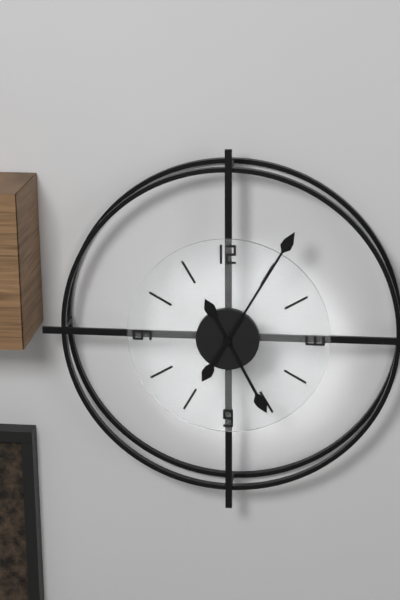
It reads 5h05
